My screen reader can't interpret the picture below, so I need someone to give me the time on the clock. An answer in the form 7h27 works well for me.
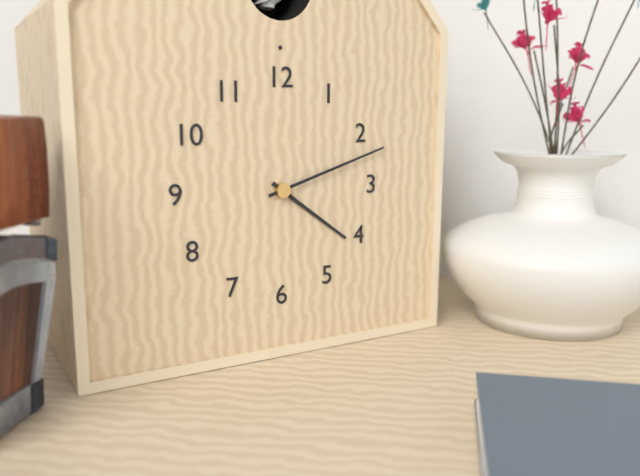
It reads 4h12
